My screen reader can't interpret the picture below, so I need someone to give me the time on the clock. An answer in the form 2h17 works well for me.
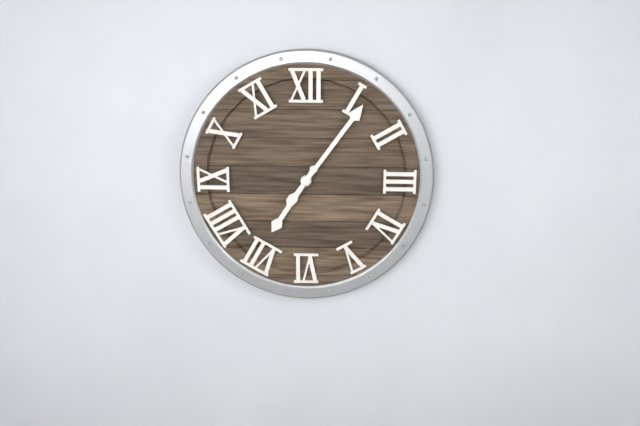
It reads 7h06
